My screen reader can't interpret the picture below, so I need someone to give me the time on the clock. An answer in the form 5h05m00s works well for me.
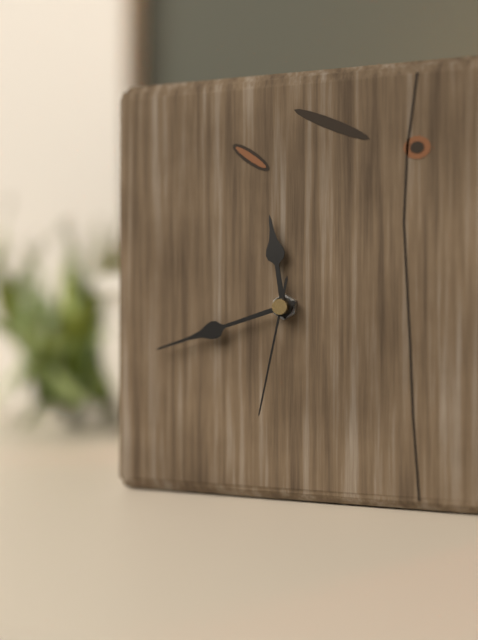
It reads 11h42m32s
